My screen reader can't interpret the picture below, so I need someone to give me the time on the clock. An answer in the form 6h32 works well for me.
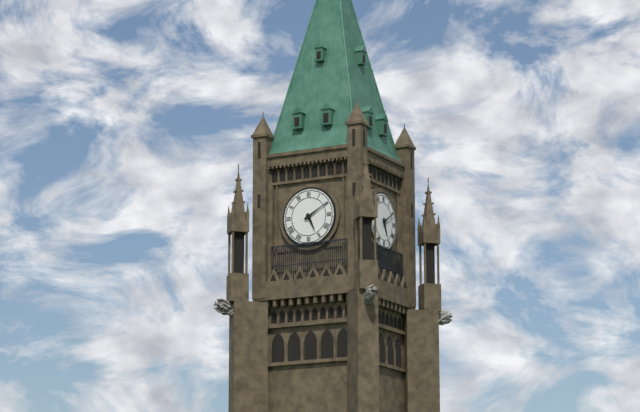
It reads 5h10
